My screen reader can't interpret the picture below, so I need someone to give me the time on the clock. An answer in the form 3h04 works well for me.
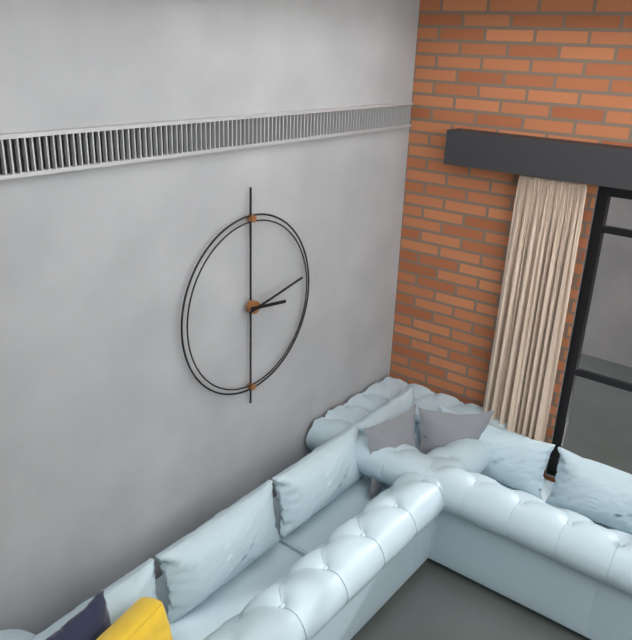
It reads 3h13
